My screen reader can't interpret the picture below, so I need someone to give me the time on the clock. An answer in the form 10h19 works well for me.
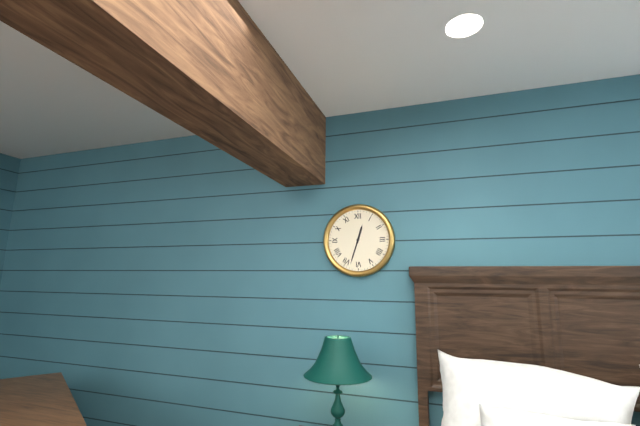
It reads 12h33
